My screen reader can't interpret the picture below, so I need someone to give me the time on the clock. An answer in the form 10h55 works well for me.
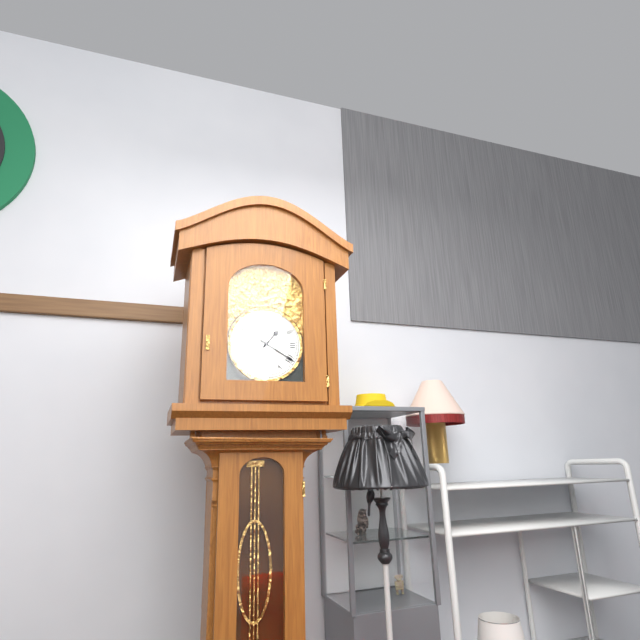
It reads 1h20
